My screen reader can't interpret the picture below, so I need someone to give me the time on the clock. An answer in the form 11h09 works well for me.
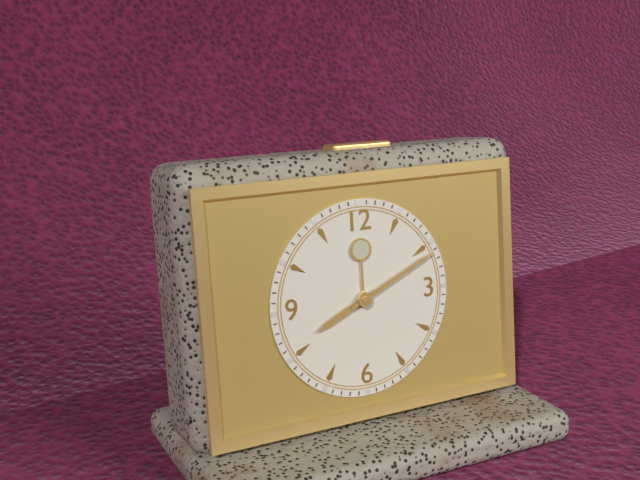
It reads 8h11
